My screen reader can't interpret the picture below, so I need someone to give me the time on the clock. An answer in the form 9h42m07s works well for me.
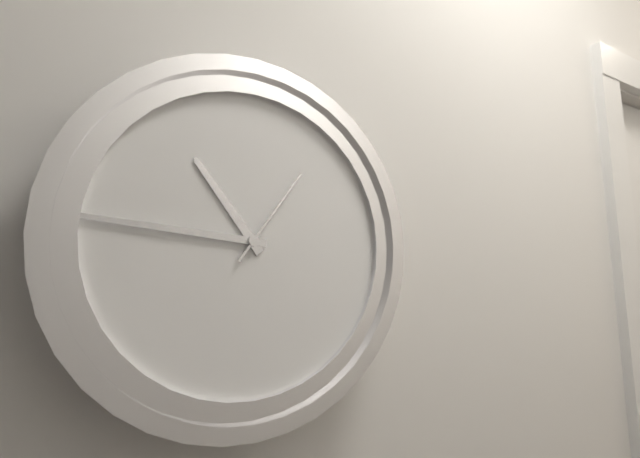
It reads 10h46m06s
